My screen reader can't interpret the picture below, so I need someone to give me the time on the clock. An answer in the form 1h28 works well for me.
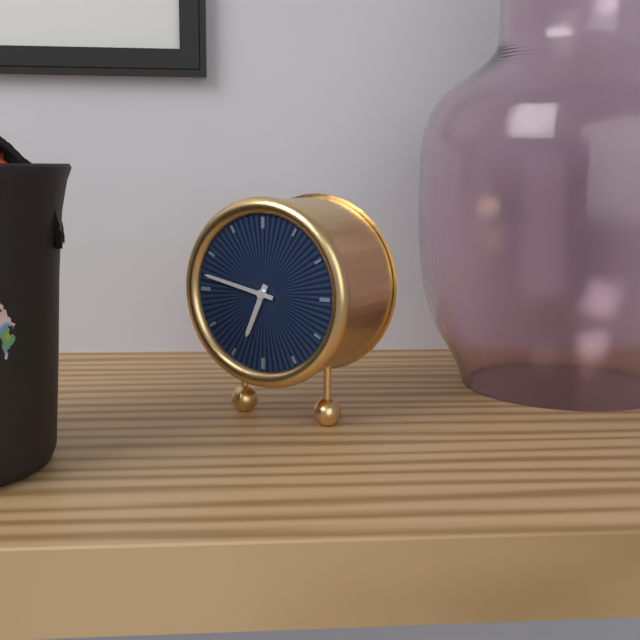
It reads 6h47
